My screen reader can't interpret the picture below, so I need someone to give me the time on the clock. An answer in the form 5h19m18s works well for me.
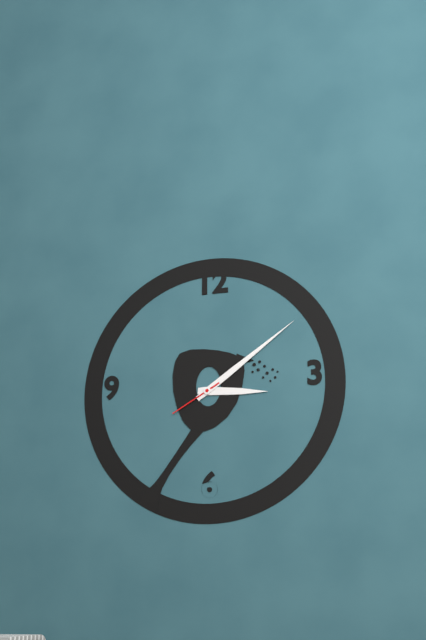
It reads 3h09m40s
